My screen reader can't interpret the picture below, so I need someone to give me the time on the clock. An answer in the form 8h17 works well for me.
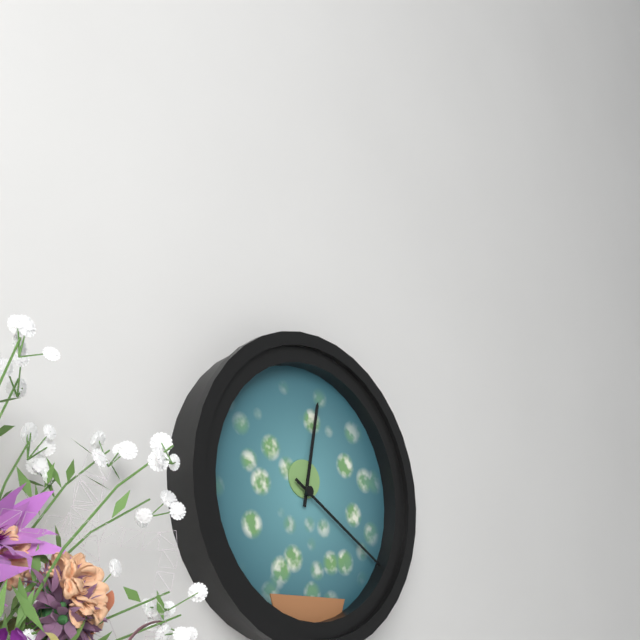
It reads 12h20
